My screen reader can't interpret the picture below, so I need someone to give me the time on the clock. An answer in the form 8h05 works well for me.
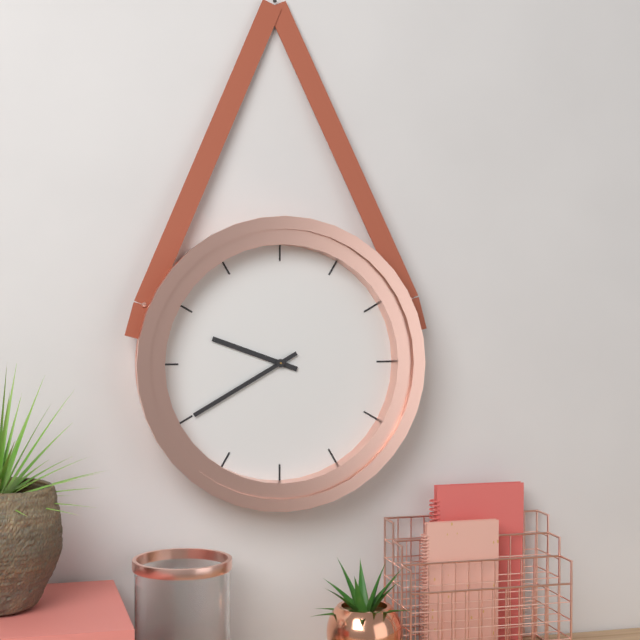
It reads 9h40
